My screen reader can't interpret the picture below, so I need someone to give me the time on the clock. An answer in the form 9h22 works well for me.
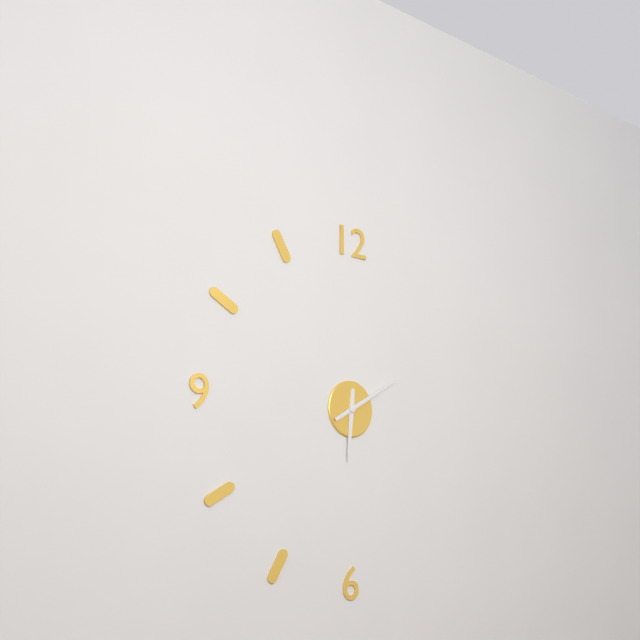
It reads 6h10
